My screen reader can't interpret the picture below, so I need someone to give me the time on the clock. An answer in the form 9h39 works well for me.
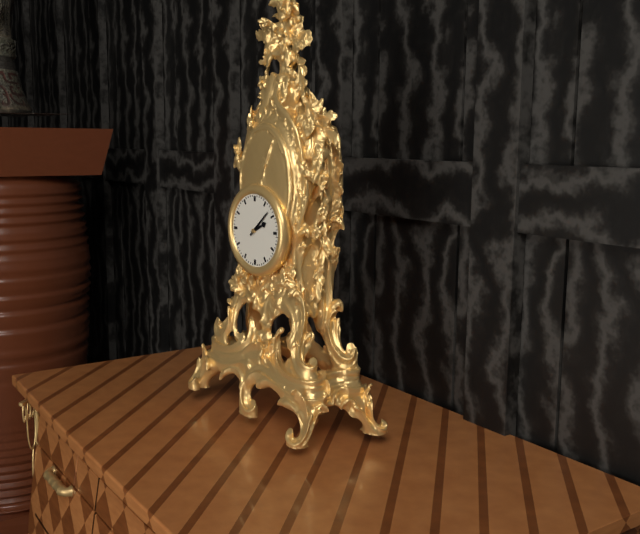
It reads 2h08
